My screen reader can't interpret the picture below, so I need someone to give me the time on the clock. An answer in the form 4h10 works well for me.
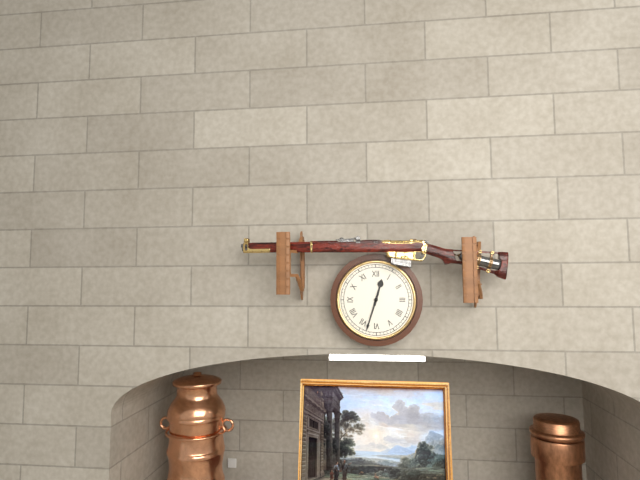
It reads 12h33
